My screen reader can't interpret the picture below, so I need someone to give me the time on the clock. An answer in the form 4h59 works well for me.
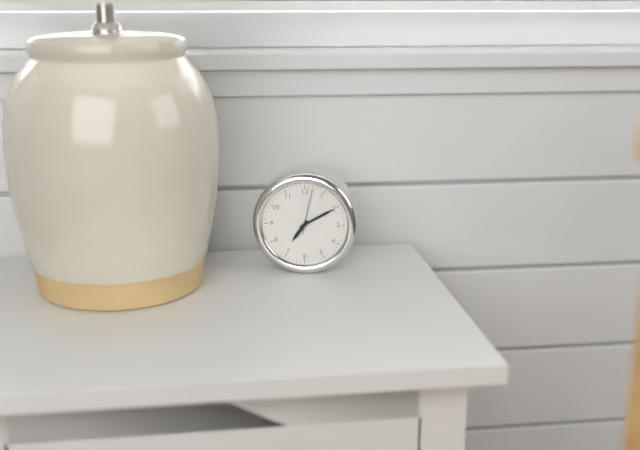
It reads 7h10
